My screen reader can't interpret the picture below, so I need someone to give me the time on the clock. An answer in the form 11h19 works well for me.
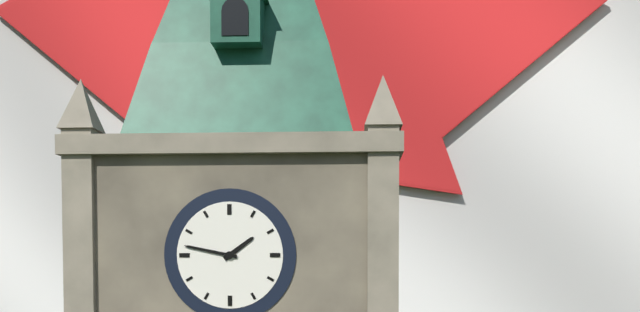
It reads 1h47
